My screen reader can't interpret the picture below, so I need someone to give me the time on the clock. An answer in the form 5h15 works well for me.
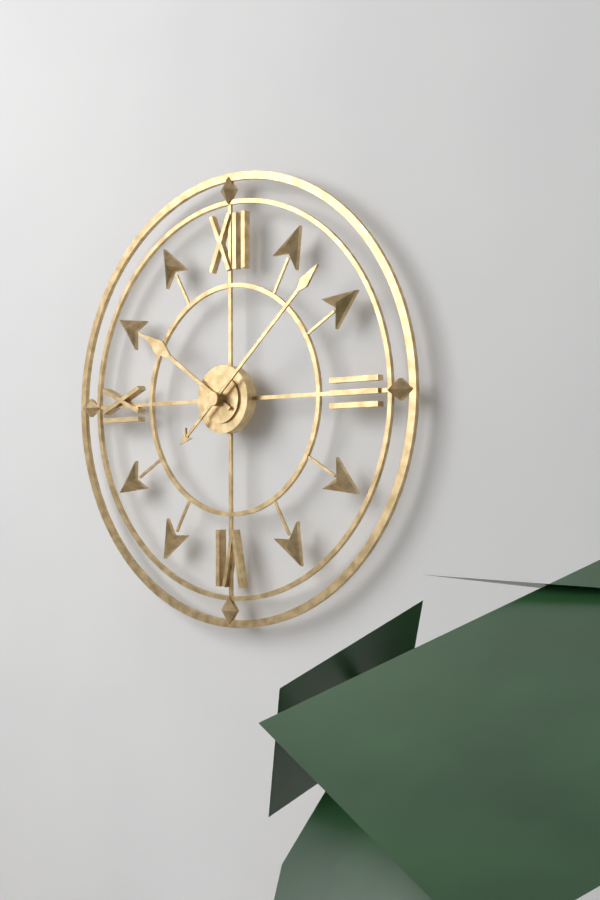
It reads 10h08
